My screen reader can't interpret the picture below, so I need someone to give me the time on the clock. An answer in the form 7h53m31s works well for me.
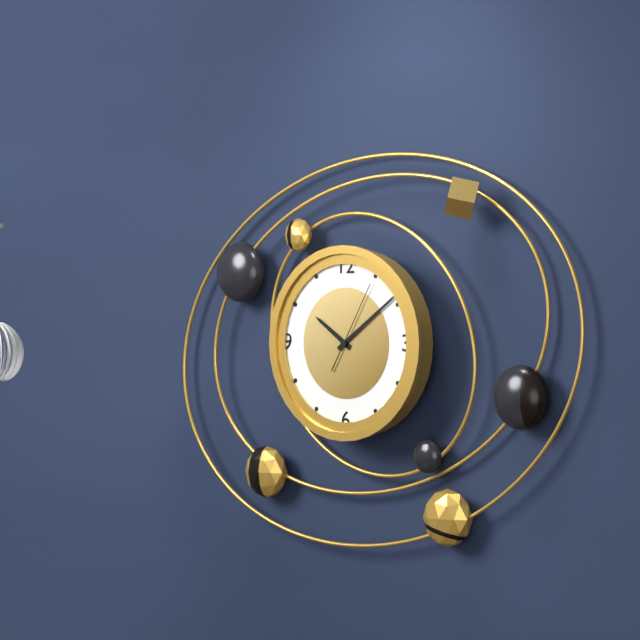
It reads 10h09m05s
